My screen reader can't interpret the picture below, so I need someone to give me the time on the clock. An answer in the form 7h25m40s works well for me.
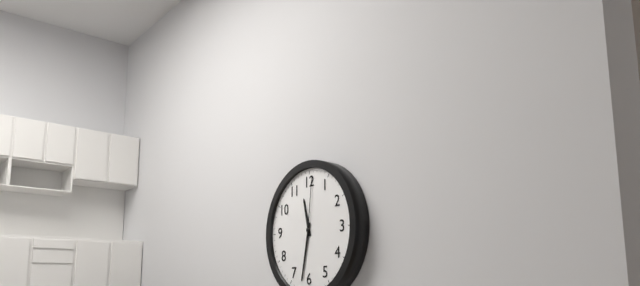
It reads 11h32m01s
